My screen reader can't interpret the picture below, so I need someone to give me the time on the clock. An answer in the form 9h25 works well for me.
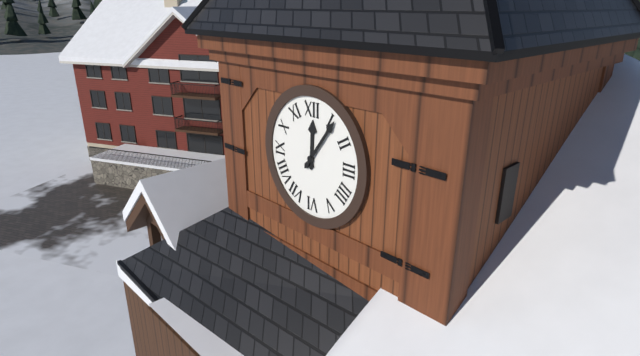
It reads 12h06
